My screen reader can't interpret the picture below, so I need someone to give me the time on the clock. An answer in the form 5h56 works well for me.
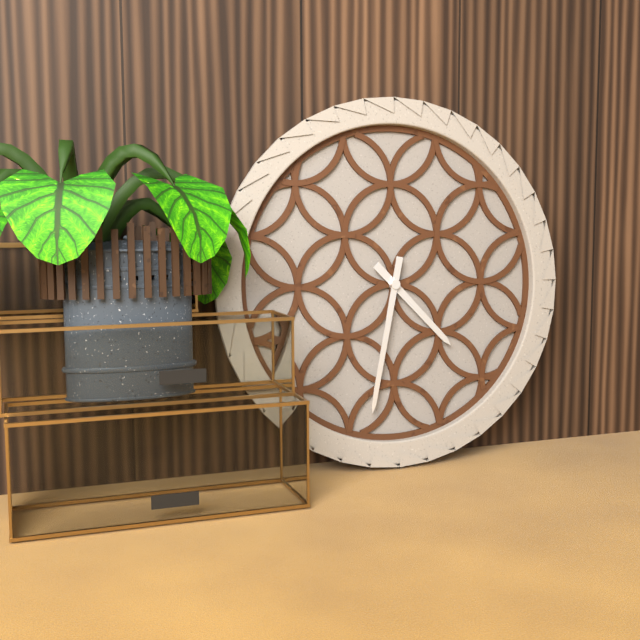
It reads 4h32
